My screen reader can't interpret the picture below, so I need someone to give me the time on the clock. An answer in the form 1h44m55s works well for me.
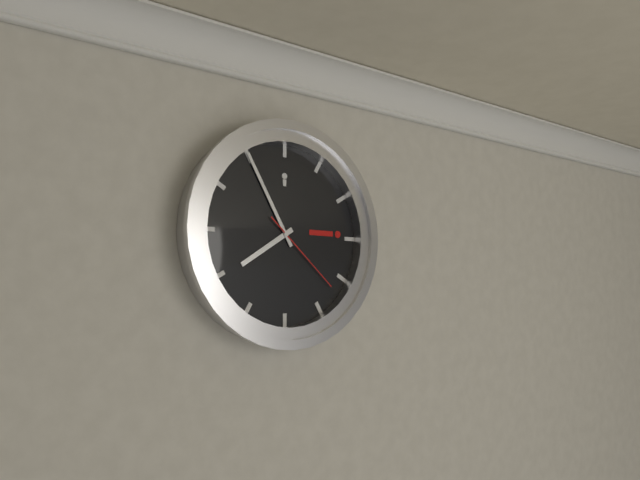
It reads 7h55m22s
